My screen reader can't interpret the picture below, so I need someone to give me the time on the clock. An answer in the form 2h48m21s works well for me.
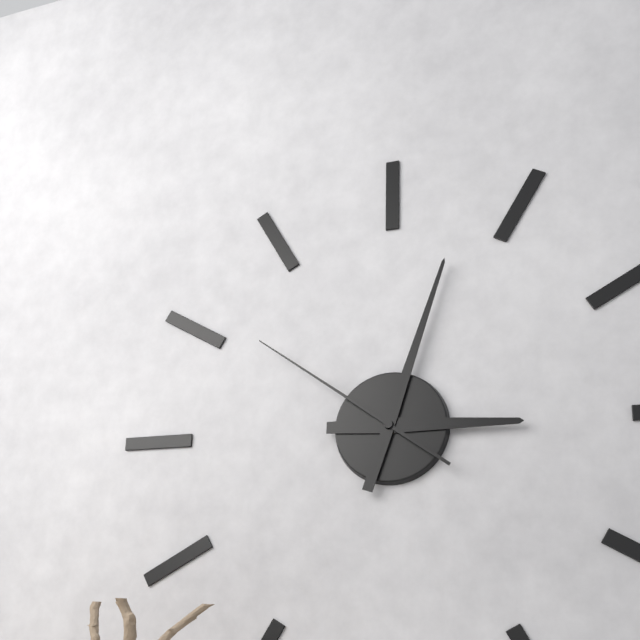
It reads 3h03m51s
